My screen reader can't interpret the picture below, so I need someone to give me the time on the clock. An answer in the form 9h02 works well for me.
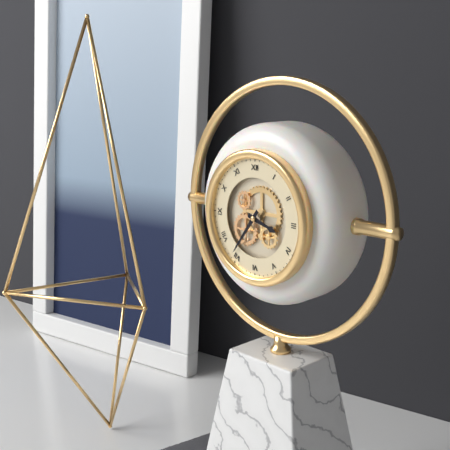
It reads 3h36
